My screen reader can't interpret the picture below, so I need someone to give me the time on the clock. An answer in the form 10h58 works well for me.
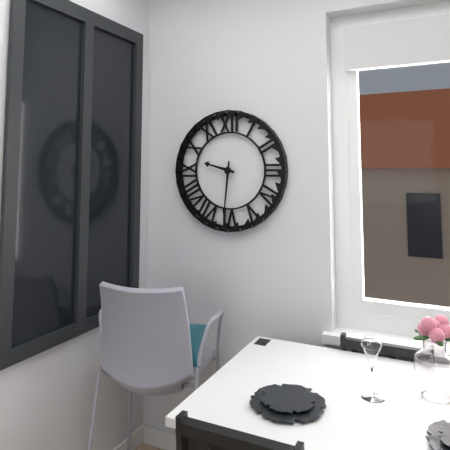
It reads 9h31
